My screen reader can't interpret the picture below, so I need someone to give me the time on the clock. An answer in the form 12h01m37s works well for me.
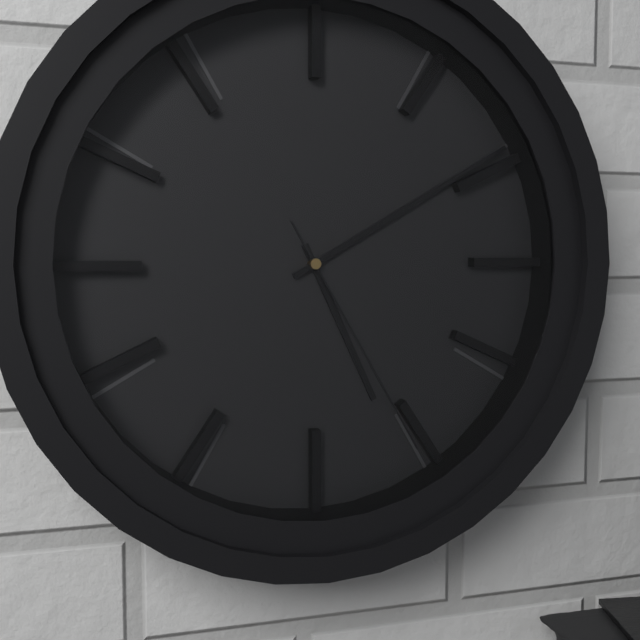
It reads 5h10m25s
